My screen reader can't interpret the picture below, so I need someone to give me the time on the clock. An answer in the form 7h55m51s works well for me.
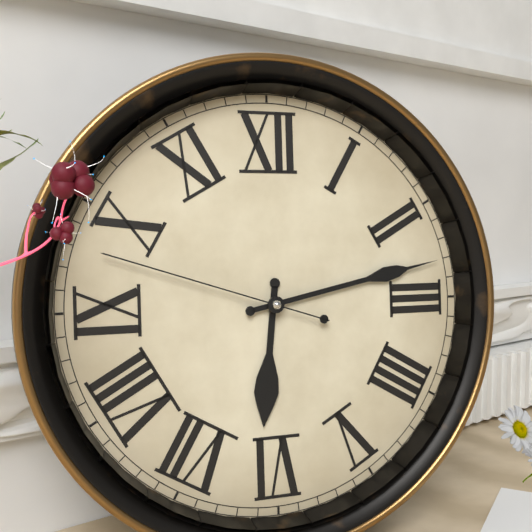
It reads 6h13m48s
